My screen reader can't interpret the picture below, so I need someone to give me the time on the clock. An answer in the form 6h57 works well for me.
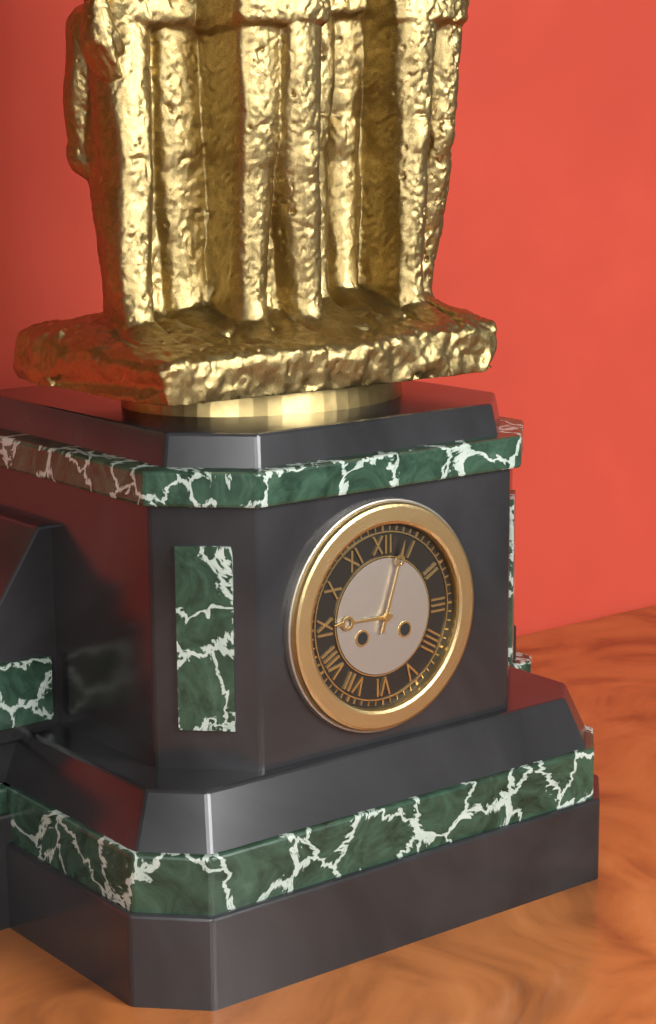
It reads 9h03
